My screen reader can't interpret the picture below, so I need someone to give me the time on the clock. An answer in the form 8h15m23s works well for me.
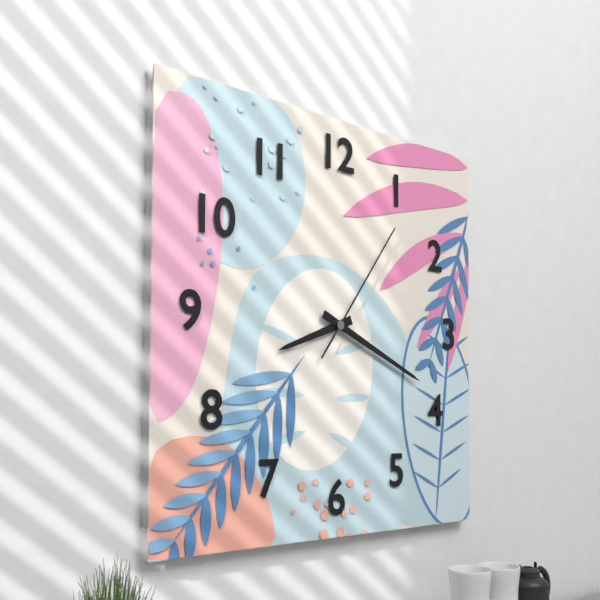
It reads 8h19m06s
